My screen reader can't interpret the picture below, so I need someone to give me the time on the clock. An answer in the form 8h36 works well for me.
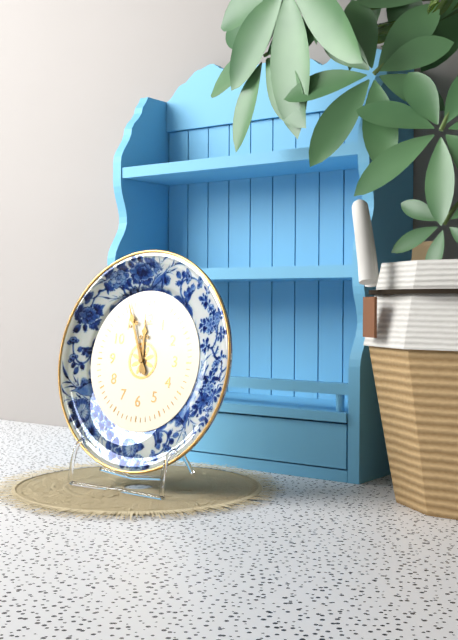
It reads 11h56
